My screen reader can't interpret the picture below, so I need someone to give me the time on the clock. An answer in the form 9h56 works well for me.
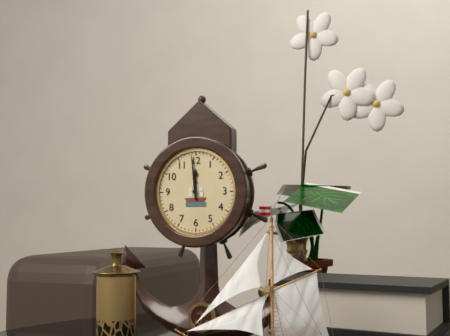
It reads 11h59
